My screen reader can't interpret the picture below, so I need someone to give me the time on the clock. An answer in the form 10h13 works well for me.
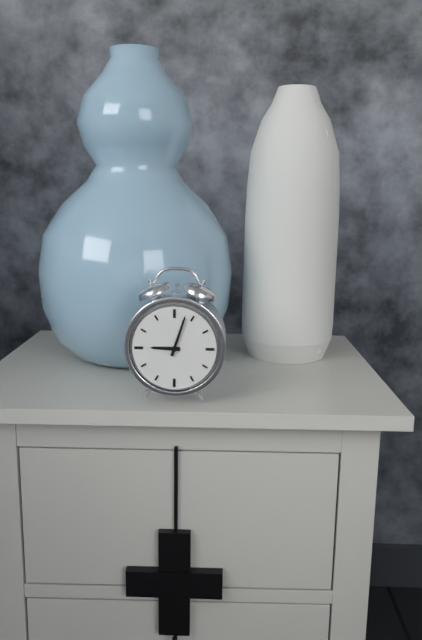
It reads 9h03
